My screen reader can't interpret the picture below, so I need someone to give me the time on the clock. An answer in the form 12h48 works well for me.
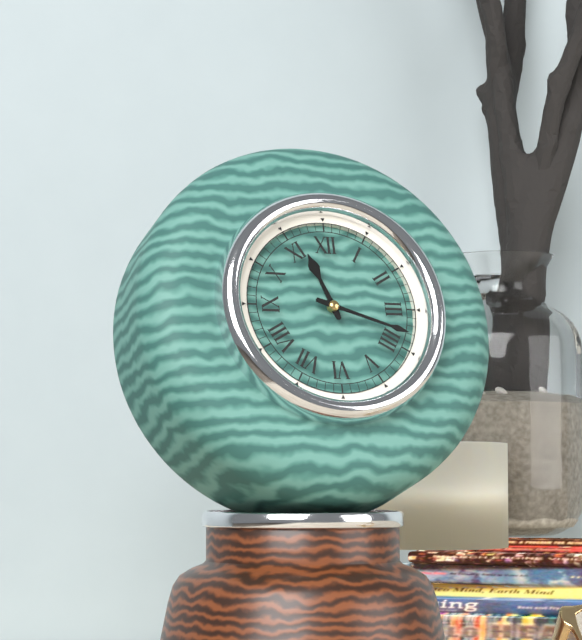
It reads 11h18
